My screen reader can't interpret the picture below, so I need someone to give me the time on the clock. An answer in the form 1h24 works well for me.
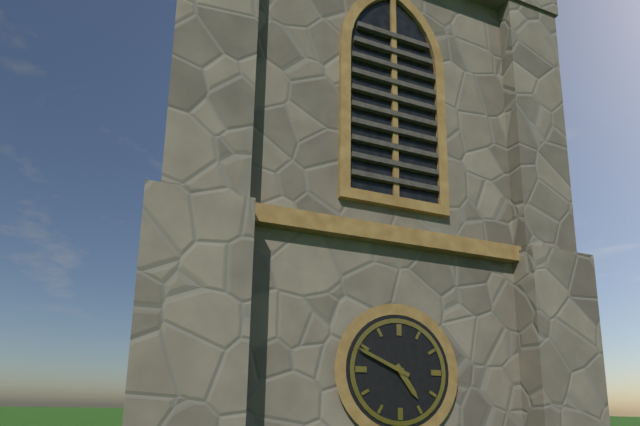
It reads 4h49
